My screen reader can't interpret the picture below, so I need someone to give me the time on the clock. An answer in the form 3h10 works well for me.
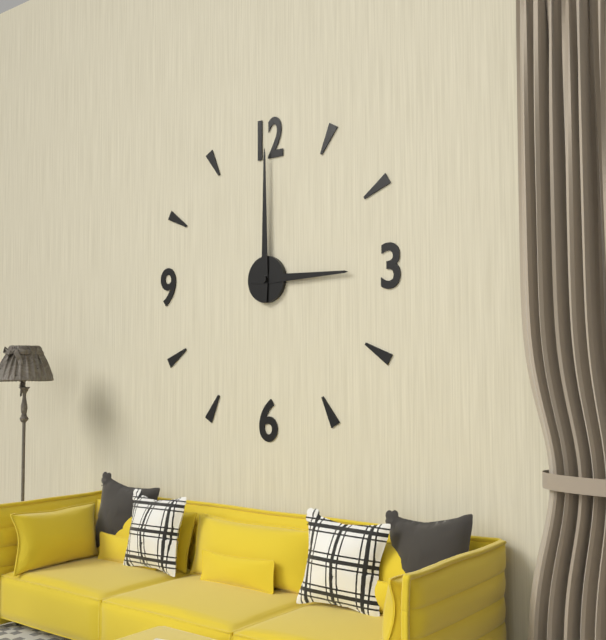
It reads 3h00
